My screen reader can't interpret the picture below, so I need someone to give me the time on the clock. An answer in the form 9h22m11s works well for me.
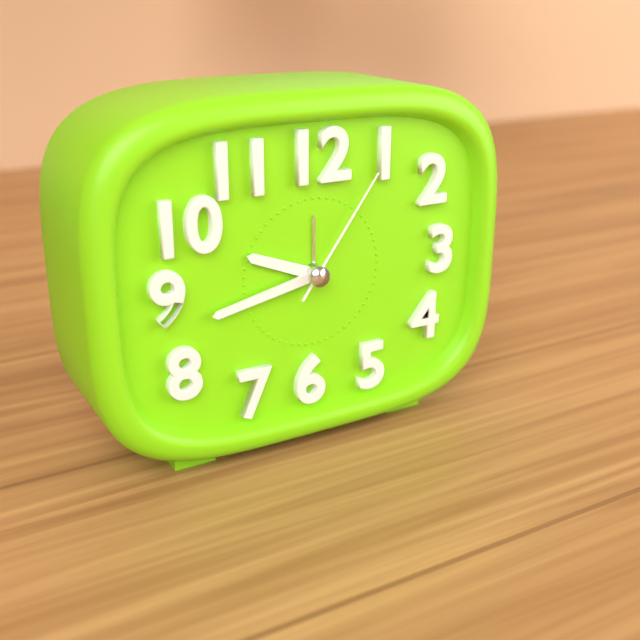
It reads 9h43m06s
